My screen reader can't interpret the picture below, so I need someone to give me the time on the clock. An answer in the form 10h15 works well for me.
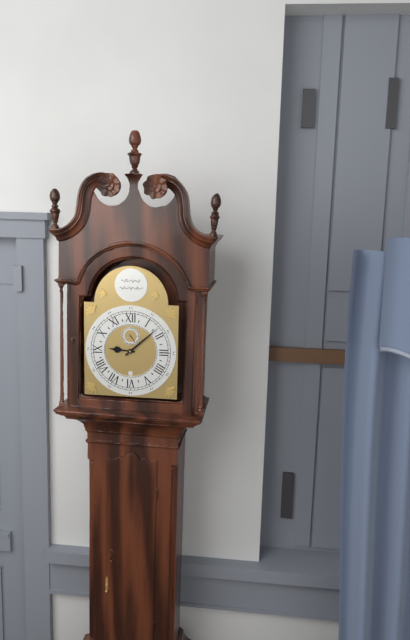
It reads 9h08
